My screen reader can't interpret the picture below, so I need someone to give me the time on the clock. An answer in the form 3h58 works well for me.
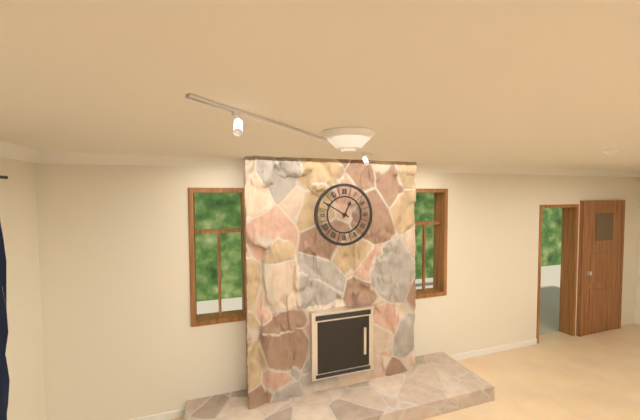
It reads 12h50
